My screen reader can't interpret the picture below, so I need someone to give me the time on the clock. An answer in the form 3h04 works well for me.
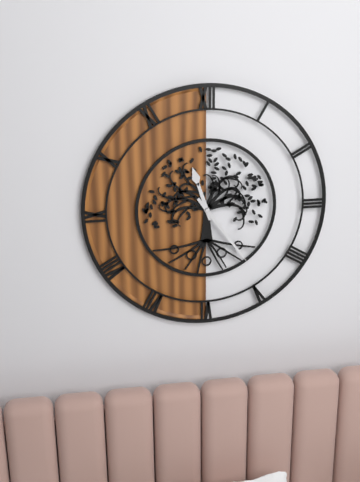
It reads 11h24
